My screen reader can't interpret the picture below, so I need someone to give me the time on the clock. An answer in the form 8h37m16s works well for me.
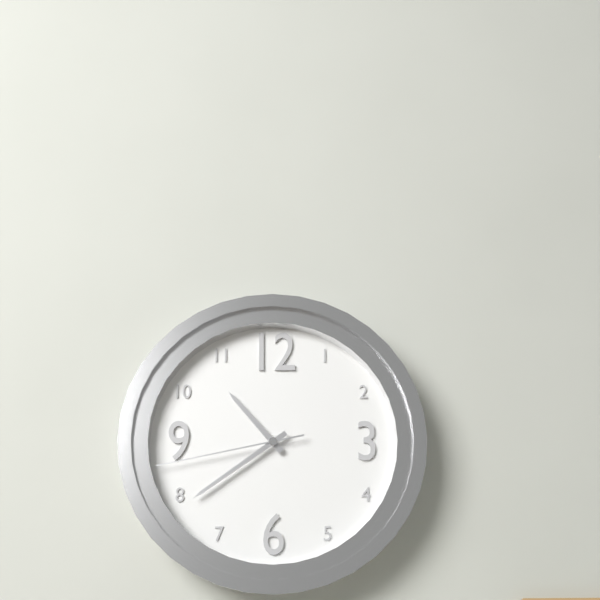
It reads 10h39m43s
